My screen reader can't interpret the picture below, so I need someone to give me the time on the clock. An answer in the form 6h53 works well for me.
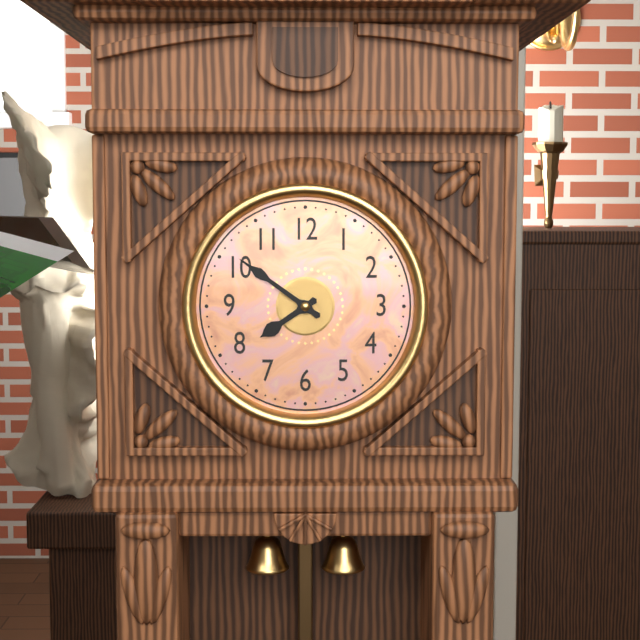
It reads 7h51
